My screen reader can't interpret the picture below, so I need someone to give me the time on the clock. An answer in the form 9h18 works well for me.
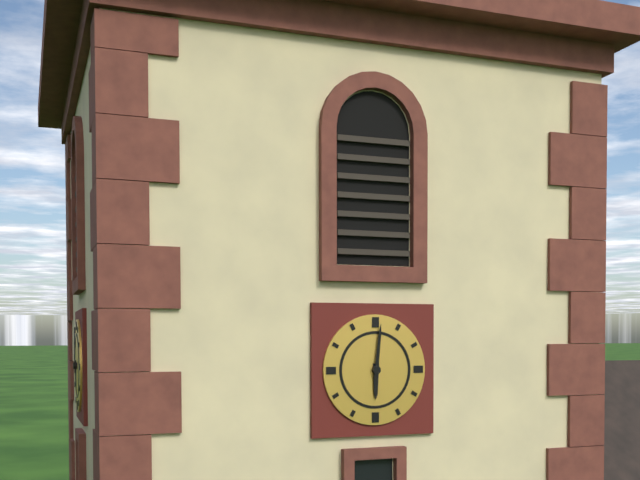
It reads 6h01
